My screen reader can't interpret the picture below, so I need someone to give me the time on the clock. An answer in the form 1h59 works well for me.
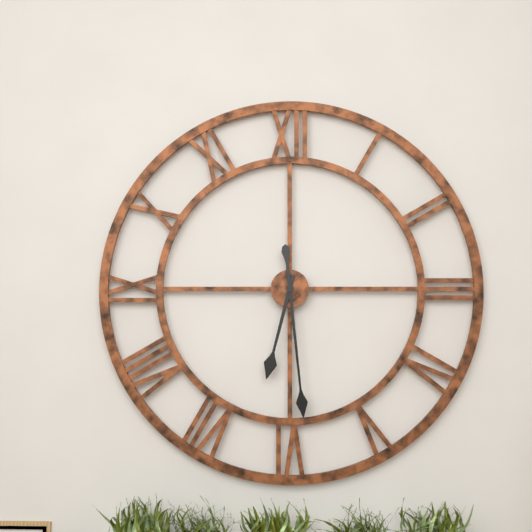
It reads 6h29
